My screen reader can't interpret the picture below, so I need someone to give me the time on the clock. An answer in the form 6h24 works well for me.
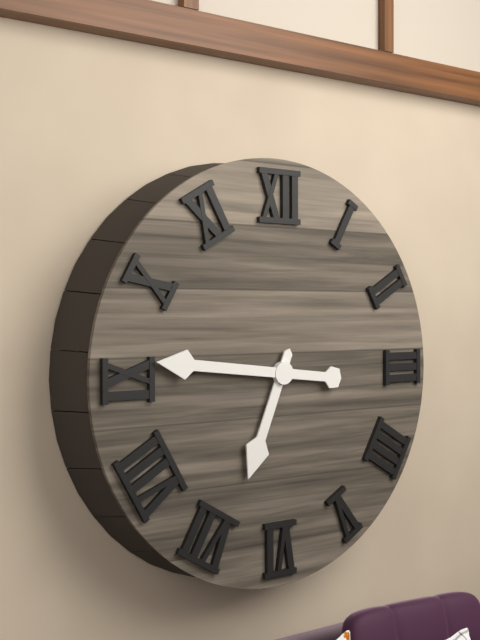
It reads 6h46
